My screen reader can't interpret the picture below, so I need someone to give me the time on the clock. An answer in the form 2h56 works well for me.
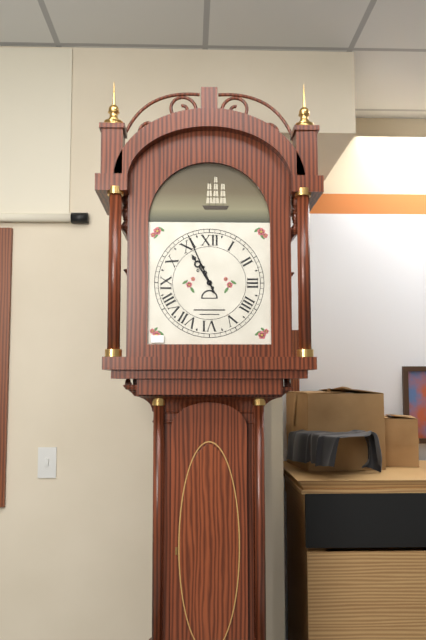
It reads 10h56
